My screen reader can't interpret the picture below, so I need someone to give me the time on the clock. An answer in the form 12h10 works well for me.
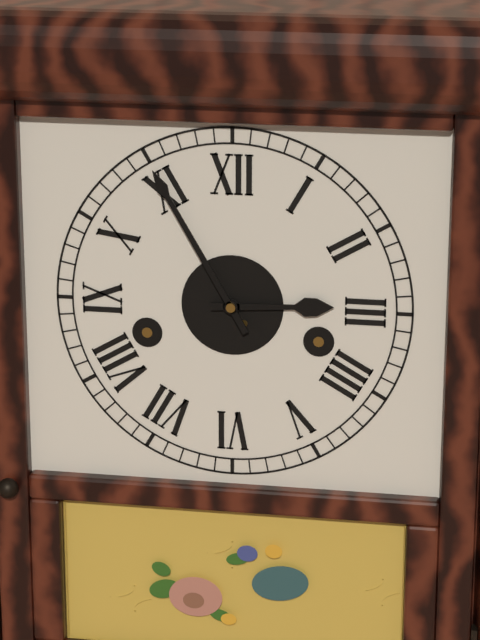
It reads 2h55
